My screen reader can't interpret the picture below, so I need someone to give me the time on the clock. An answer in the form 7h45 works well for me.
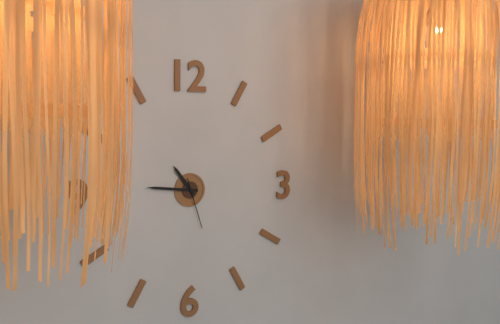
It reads 10h46
